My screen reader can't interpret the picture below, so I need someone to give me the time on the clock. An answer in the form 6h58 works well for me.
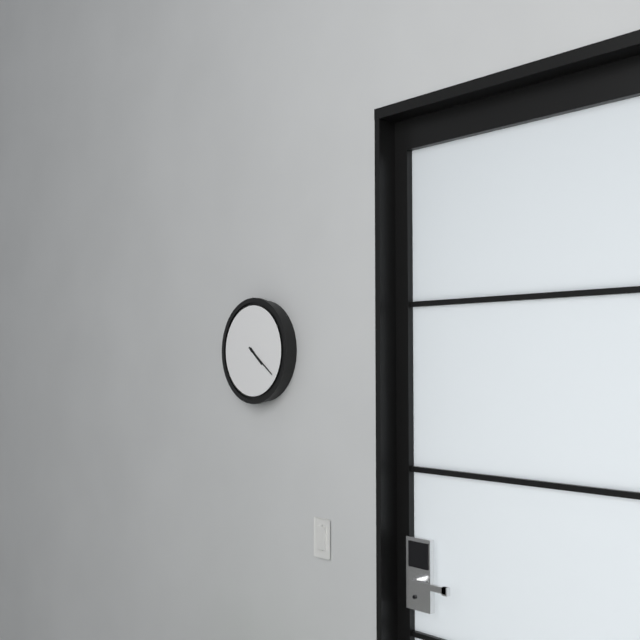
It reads 4h21
